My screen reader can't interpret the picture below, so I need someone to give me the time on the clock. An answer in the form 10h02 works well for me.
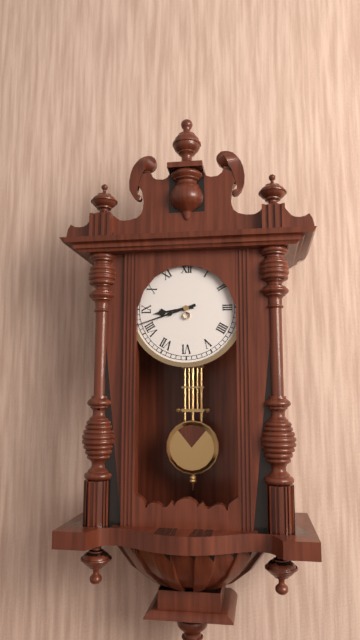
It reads 8h42
